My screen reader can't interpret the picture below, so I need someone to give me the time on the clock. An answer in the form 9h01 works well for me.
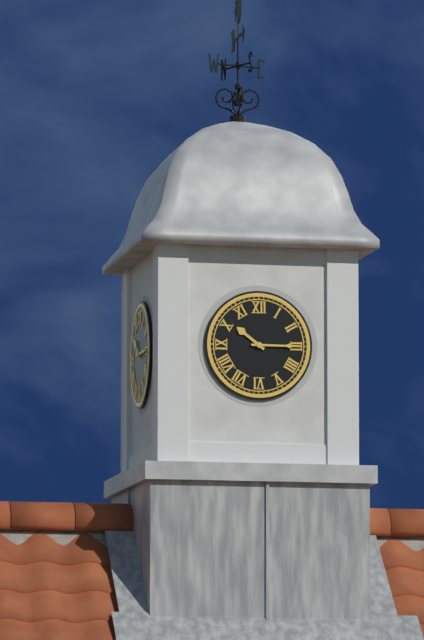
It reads 10h15
